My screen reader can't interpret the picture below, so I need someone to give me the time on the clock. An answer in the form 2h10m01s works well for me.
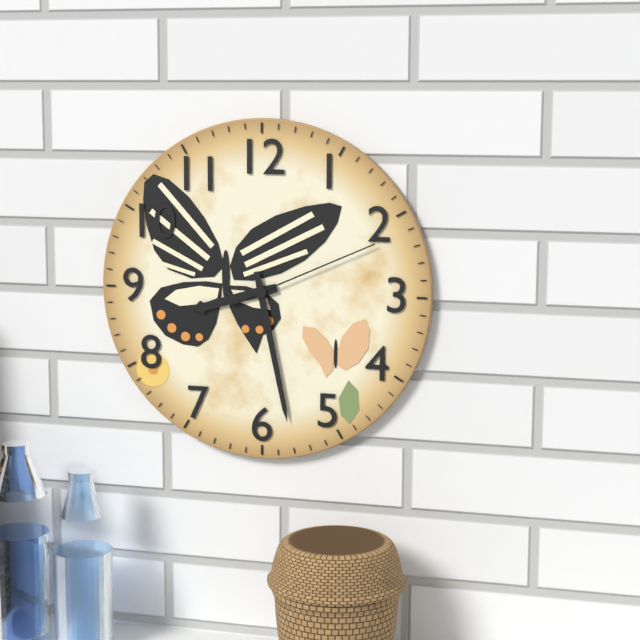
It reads 8h28m11s
